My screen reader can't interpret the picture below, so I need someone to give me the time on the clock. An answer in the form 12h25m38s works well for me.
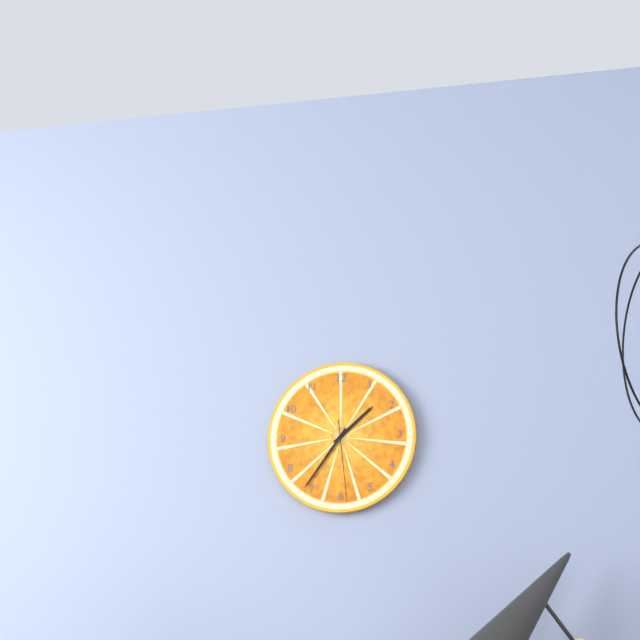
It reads 1h36m29s
